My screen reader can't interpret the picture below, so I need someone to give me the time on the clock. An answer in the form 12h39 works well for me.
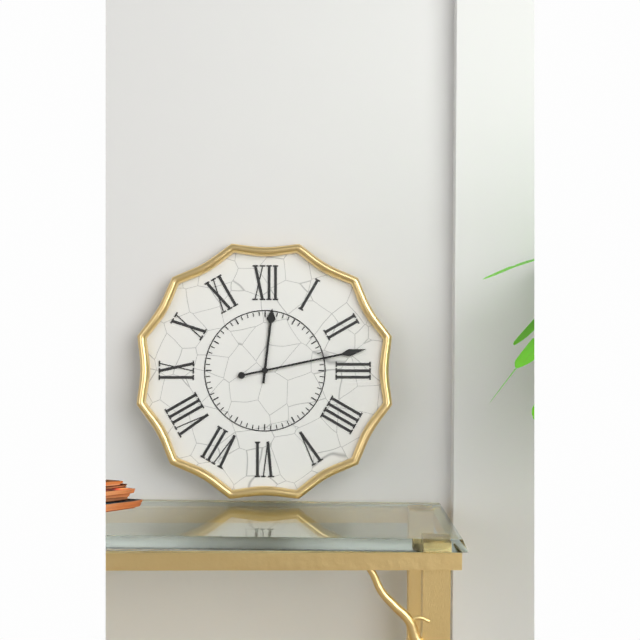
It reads 12h13
